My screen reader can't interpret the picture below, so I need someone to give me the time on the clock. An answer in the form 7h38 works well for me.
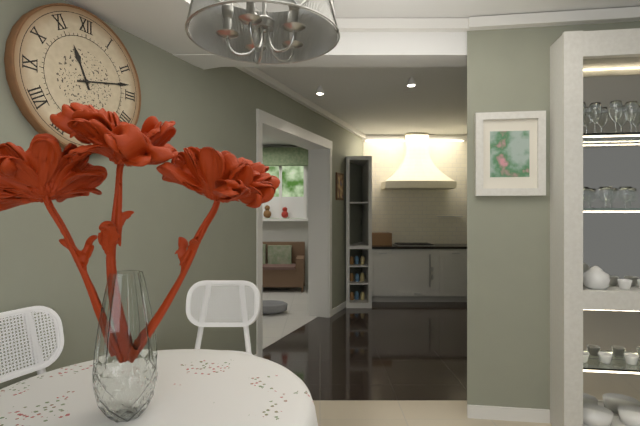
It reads 11h13
